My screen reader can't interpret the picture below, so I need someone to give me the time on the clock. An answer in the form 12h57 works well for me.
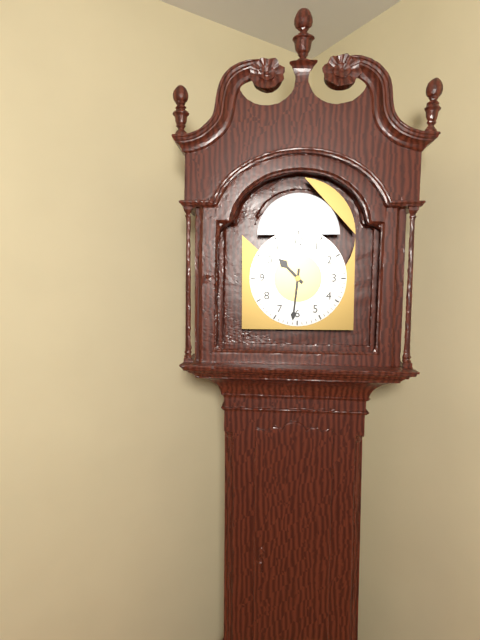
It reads 10h31
